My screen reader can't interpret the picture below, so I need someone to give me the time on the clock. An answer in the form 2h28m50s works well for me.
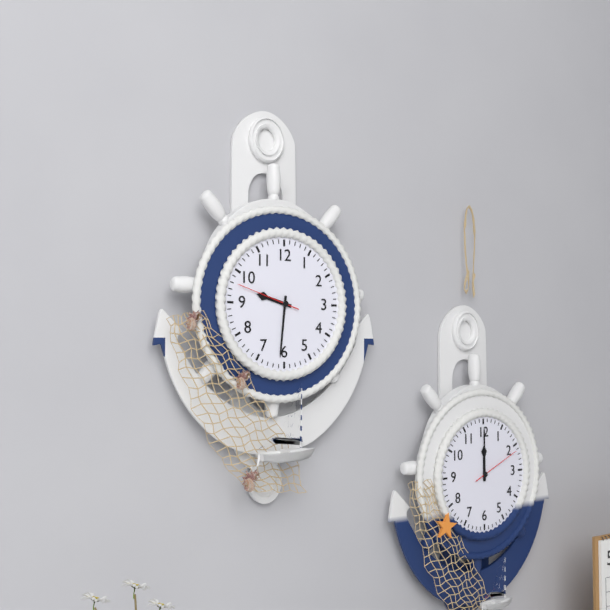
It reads 9h31m48s
